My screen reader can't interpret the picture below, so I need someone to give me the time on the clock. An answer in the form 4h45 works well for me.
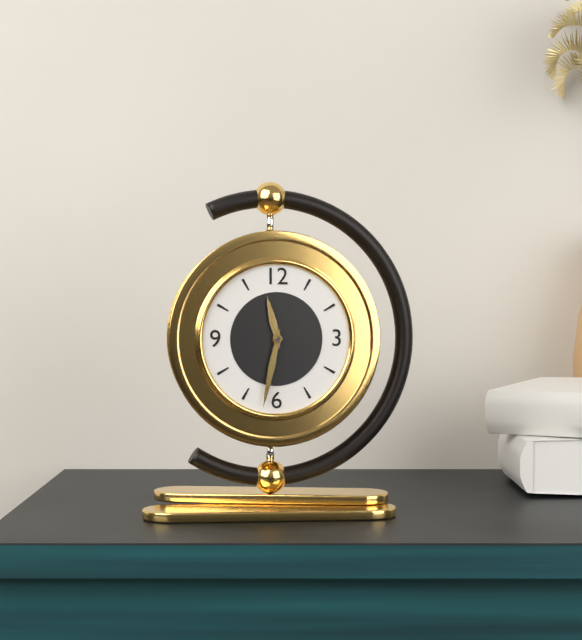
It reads 11h32
